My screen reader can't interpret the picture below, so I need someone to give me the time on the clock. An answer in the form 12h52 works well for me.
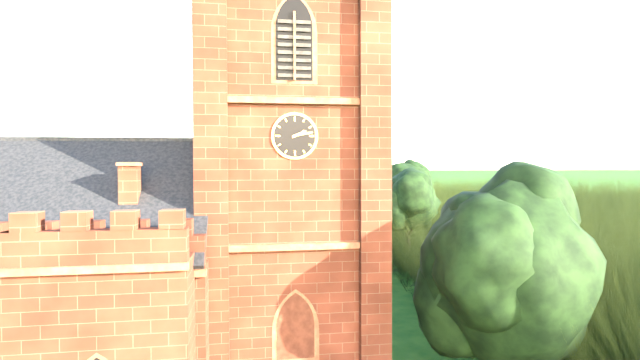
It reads 2h13
